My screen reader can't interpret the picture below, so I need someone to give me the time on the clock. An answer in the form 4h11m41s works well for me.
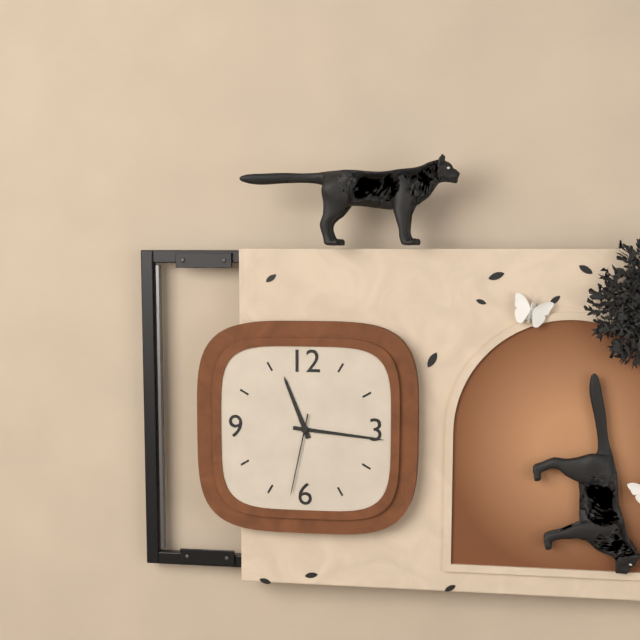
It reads 11h16m32s
